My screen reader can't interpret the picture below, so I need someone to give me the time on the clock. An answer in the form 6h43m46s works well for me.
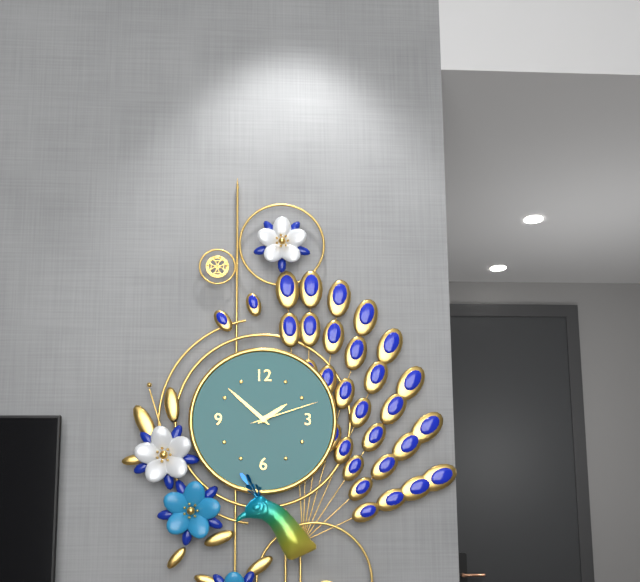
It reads 1h52m12s
